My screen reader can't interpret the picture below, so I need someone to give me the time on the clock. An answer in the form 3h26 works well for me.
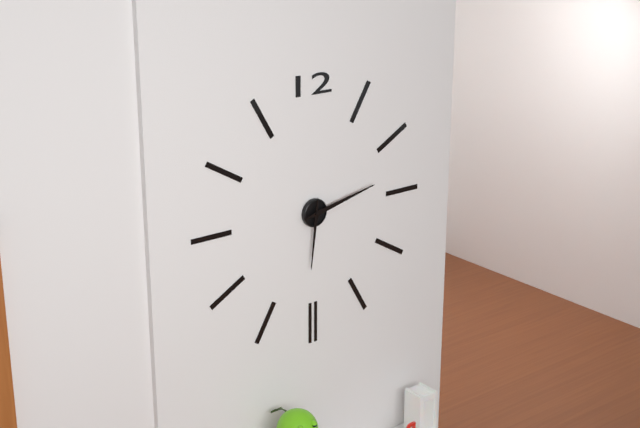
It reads 6h13
